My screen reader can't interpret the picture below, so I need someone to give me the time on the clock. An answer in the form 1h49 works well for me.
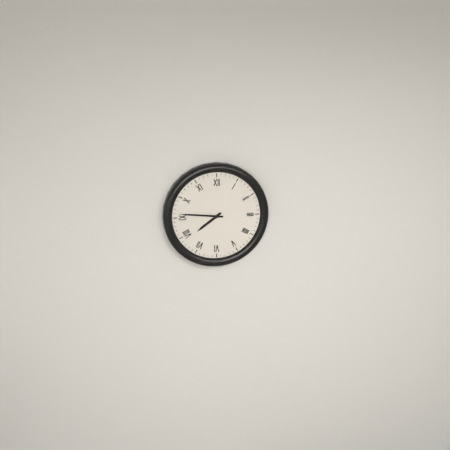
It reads 7h46
